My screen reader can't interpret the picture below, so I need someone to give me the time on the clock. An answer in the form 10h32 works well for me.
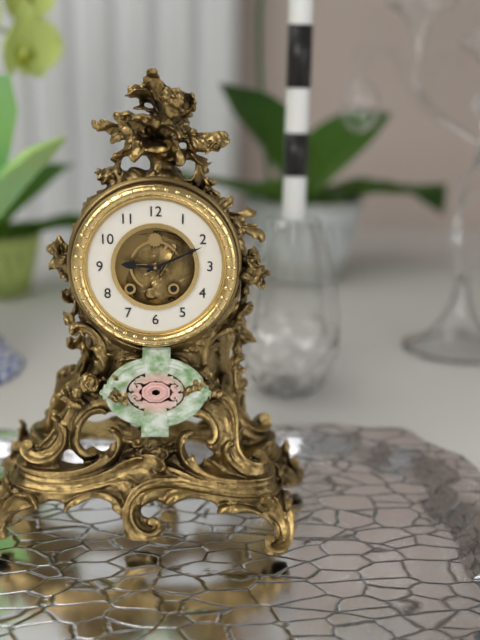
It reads 9h11
